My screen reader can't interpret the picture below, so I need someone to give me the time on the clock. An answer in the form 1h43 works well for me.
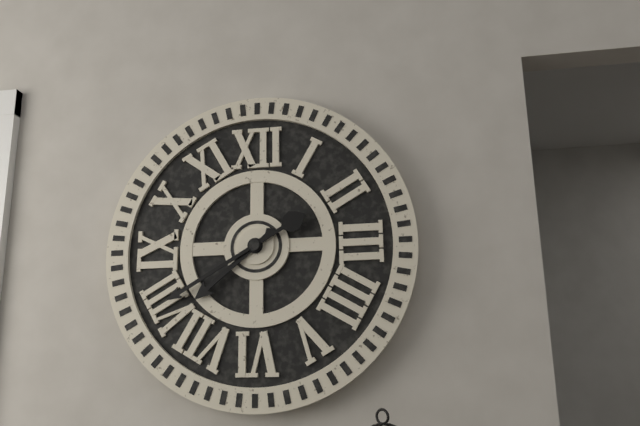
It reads 7h40
